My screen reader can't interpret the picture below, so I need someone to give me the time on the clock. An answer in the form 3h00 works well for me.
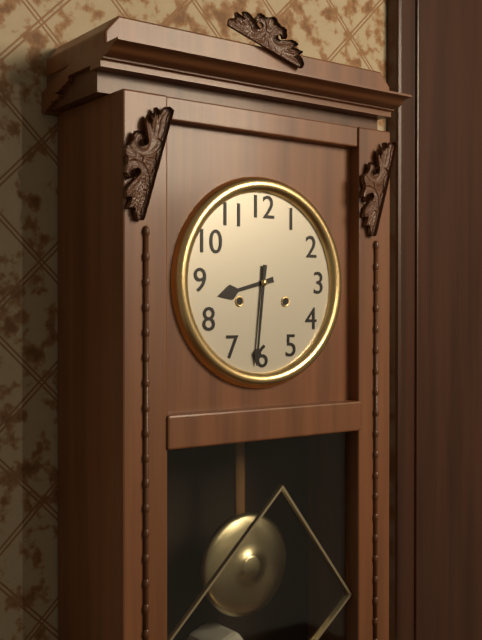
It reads 8h31
